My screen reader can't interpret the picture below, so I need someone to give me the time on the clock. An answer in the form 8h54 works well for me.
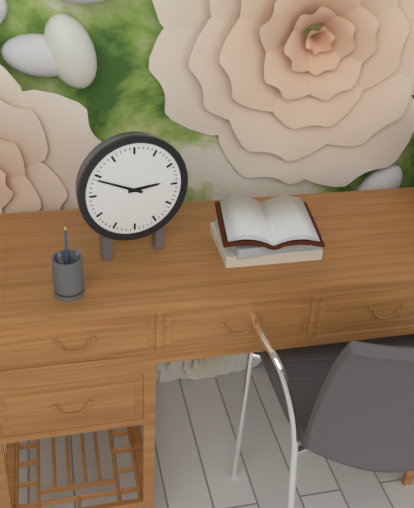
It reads 2h49
